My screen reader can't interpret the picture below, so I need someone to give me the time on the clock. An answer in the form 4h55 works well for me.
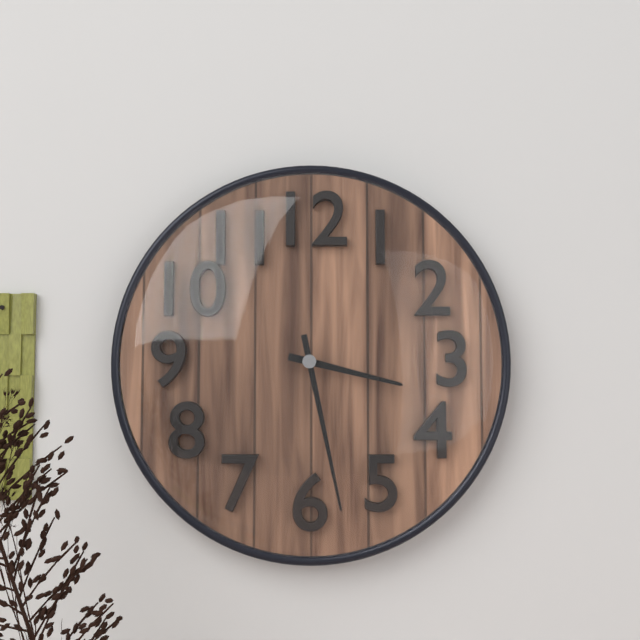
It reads 3h28
